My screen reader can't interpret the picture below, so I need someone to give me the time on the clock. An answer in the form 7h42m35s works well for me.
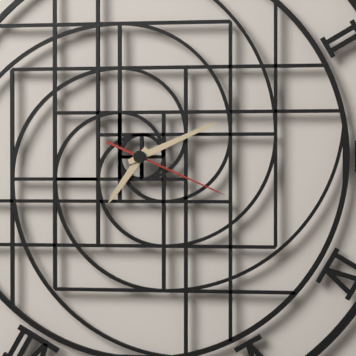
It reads 7h11m19s
